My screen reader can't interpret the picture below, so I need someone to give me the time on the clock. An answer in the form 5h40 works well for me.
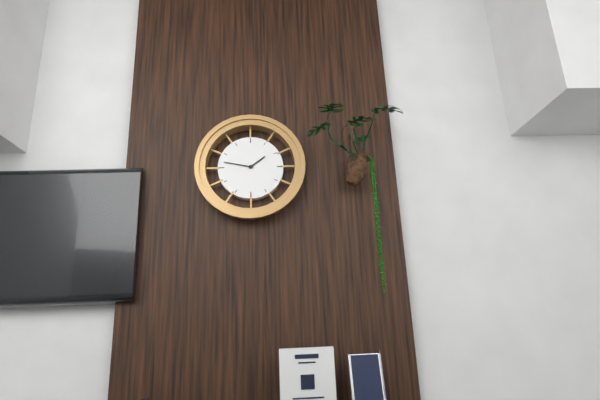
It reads 1h47
